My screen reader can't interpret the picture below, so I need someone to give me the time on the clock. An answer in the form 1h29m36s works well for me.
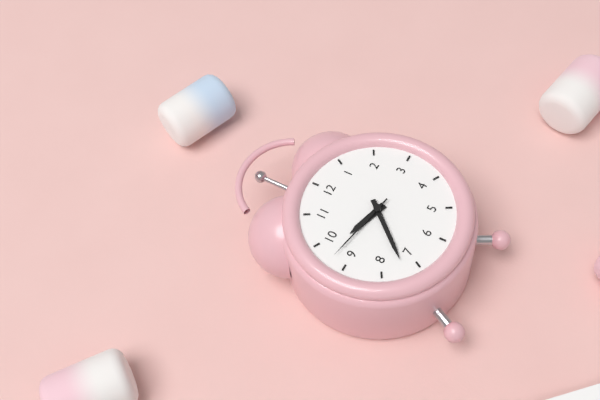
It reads 9h37m47s
